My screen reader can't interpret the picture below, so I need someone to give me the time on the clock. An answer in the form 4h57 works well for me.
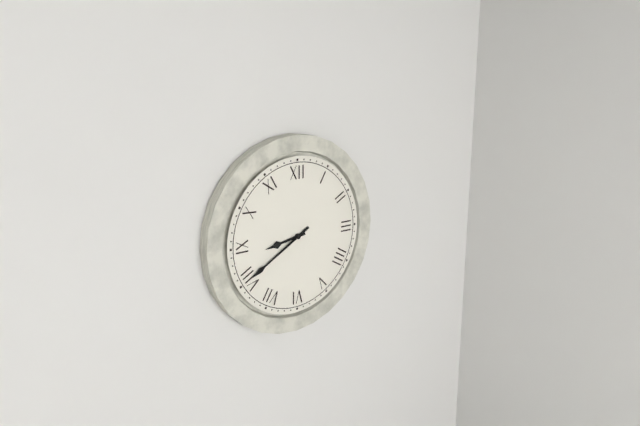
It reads 8h40
